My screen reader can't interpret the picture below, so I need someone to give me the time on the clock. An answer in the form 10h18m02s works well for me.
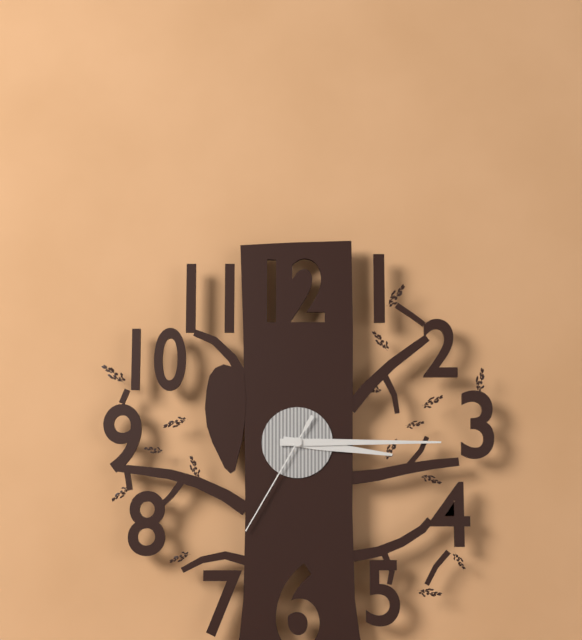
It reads 3h15m35s
